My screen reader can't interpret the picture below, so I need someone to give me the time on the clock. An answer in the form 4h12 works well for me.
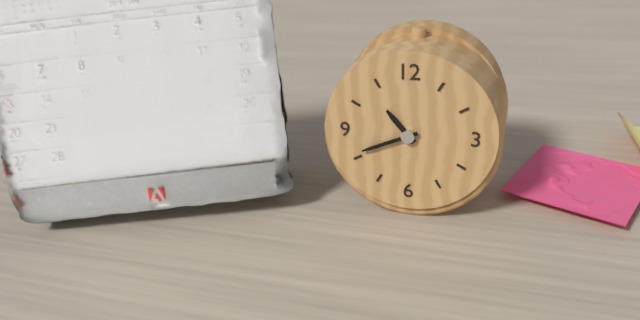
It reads 10h41
